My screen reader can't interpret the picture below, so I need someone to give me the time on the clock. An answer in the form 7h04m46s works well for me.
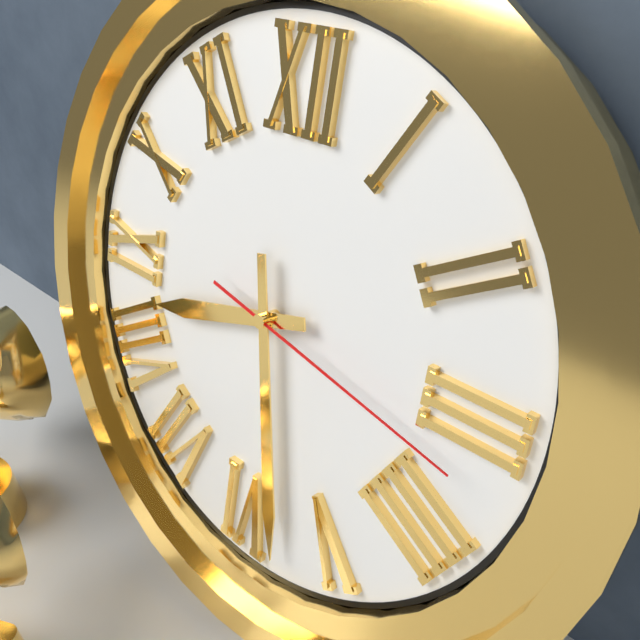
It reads 8h28m17s
